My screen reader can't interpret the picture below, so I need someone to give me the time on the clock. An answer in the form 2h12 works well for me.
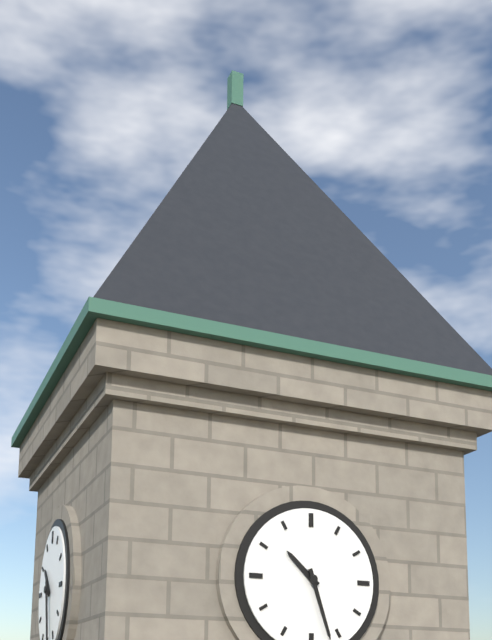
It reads 10h27
